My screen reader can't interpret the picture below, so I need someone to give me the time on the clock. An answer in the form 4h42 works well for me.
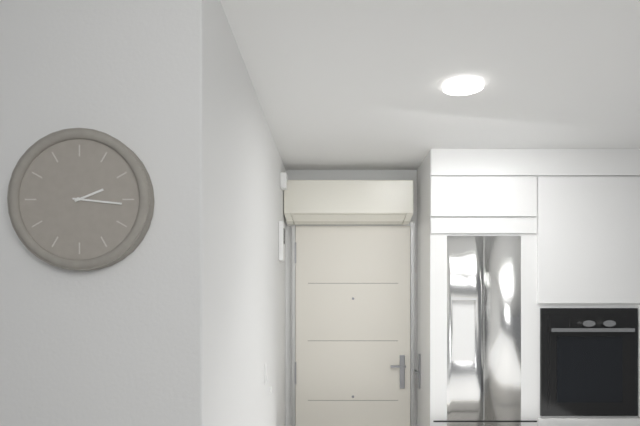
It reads 2h16
